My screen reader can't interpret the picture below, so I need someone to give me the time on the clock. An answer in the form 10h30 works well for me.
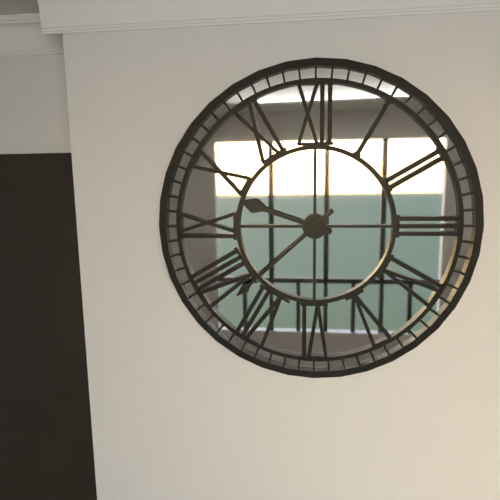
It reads 9h38
